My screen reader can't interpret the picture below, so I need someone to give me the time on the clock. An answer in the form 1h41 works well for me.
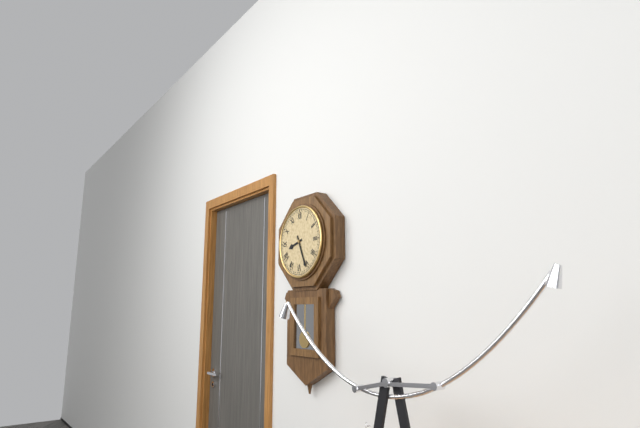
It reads 8h26
